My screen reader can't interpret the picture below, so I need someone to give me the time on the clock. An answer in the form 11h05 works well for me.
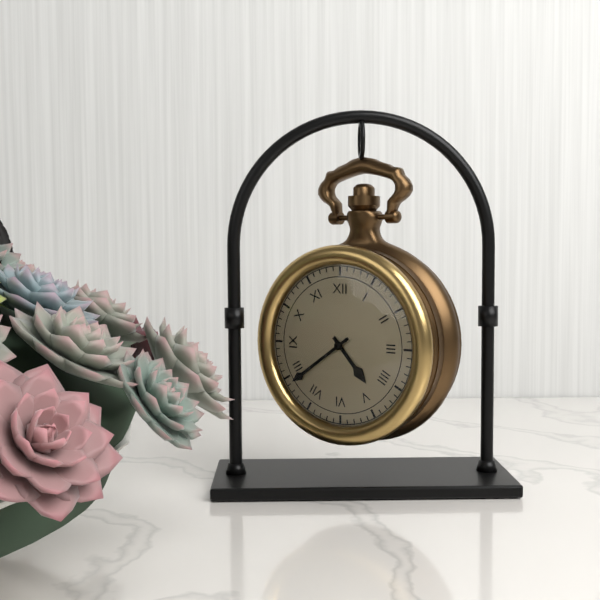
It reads 4h39
